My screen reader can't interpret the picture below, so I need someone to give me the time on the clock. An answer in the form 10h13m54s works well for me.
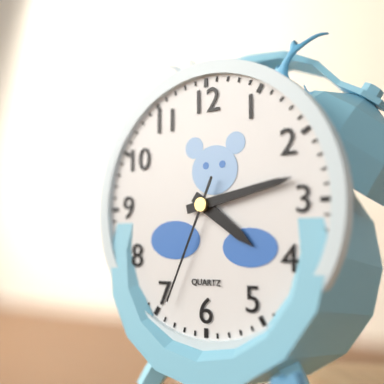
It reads 4h13m34s
